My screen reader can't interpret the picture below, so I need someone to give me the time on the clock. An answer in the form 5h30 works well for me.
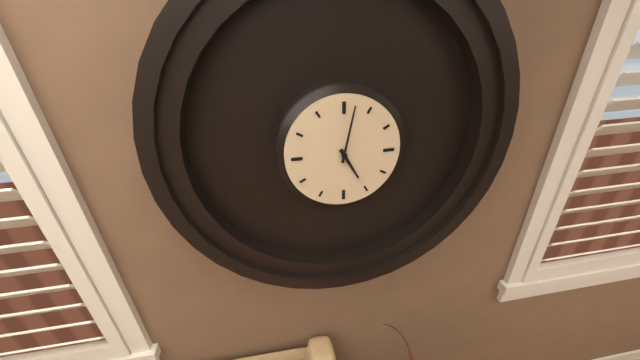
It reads 5h02
